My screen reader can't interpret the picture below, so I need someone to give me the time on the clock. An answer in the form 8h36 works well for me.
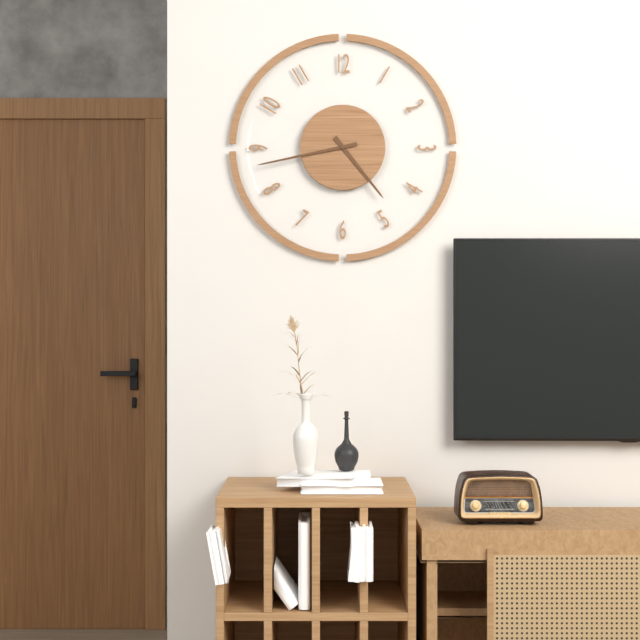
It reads 4h43
